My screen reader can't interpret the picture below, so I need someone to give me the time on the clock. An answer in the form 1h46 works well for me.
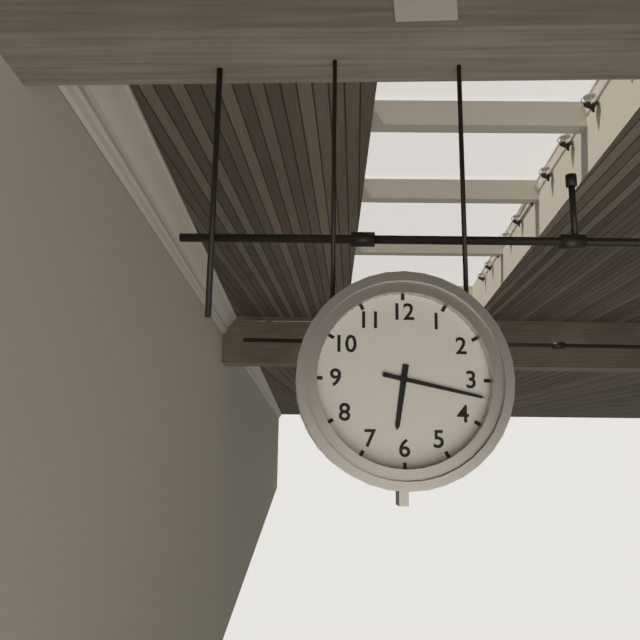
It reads 6h17
